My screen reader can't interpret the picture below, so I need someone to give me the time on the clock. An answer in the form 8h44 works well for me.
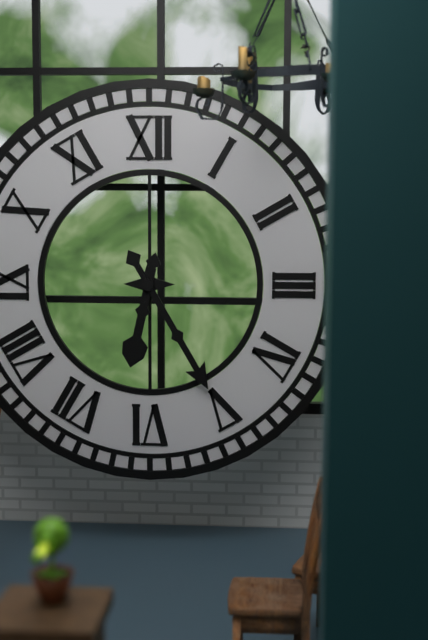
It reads 6h25
